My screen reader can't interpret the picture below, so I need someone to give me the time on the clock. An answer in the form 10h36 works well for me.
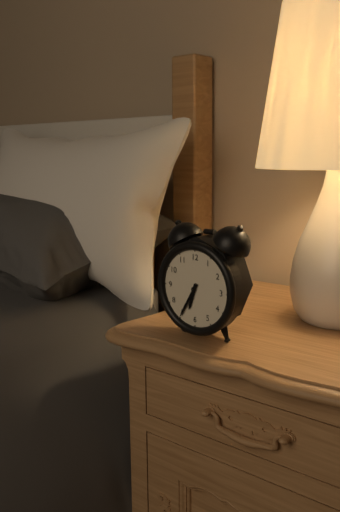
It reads 6h35
